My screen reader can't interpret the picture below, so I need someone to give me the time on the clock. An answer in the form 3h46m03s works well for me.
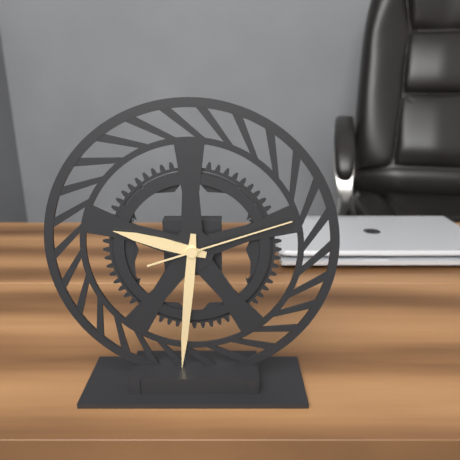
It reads 9h31m12s
